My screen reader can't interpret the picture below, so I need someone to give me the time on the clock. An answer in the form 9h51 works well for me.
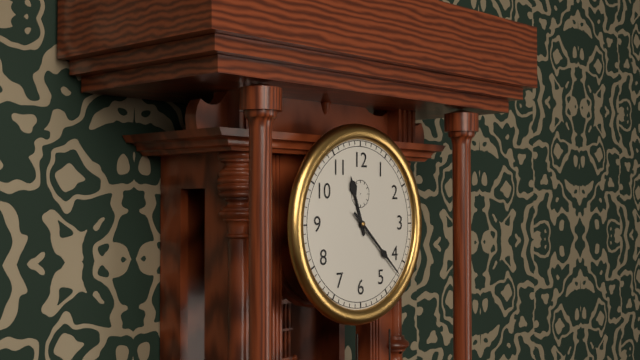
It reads 11h22
